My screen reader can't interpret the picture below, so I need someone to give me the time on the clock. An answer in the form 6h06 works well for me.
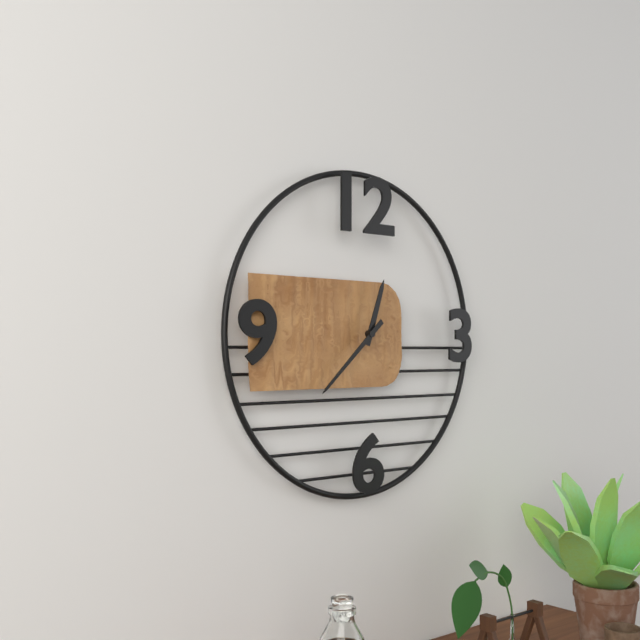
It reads 12h38
